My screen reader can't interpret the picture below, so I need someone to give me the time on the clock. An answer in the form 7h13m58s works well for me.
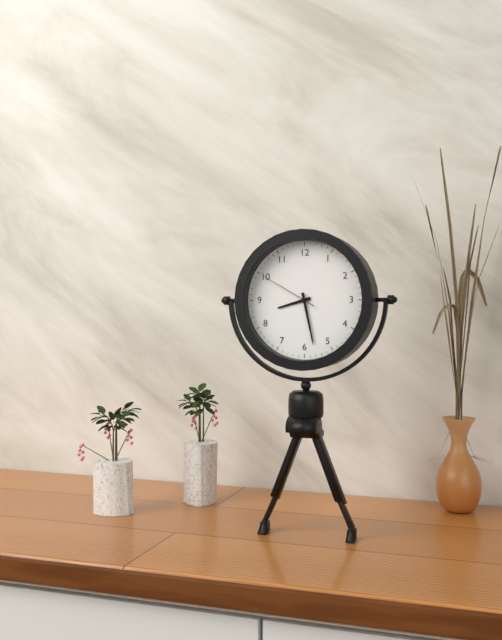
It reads 8h28m50s
